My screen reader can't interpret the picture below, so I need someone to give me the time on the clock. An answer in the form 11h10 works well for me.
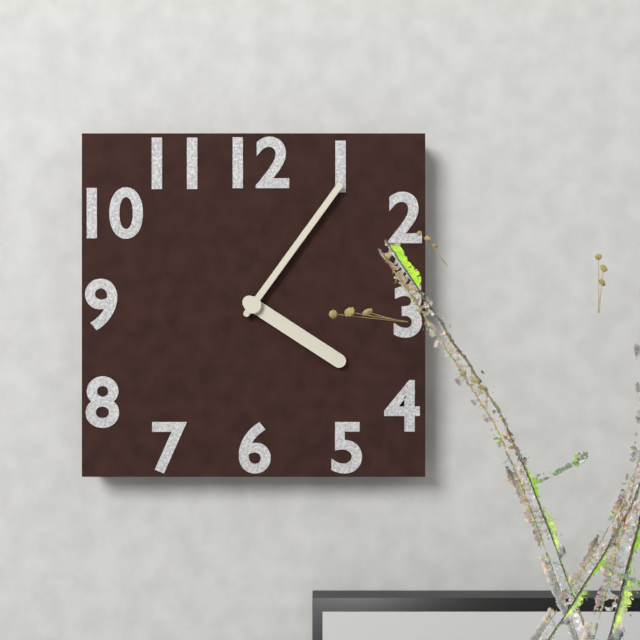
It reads 4h06
